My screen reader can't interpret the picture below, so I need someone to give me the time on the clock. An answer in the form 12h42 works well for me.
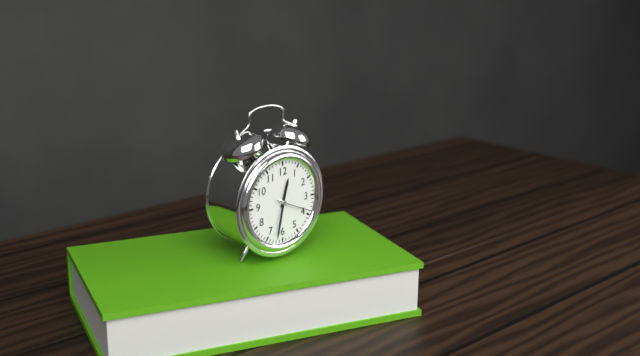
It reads 12h32
